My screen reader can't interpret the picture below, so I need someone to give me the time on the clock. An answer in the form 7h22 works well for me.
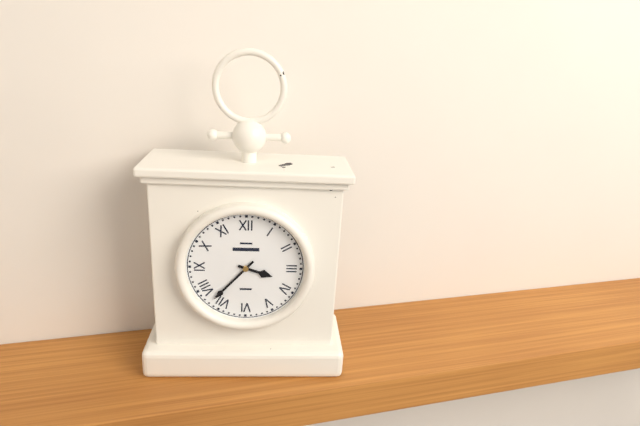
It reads 3h37
